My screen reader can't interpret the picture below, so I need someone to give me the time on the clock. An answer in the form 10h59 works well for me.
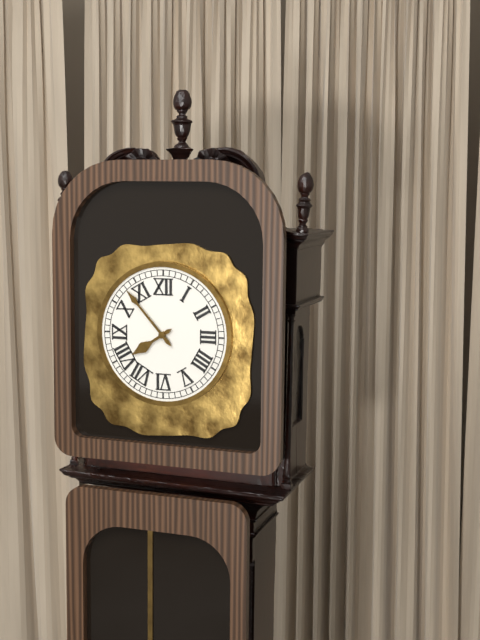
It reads 7h53
